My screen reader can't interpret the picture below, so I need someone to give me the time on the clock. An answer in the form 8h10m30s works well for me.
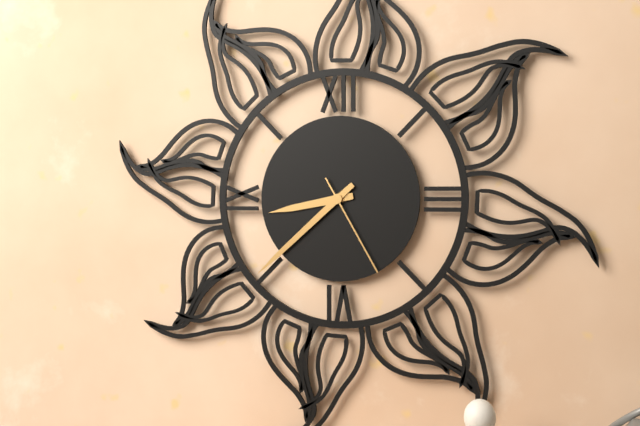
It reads 8h38m25s
